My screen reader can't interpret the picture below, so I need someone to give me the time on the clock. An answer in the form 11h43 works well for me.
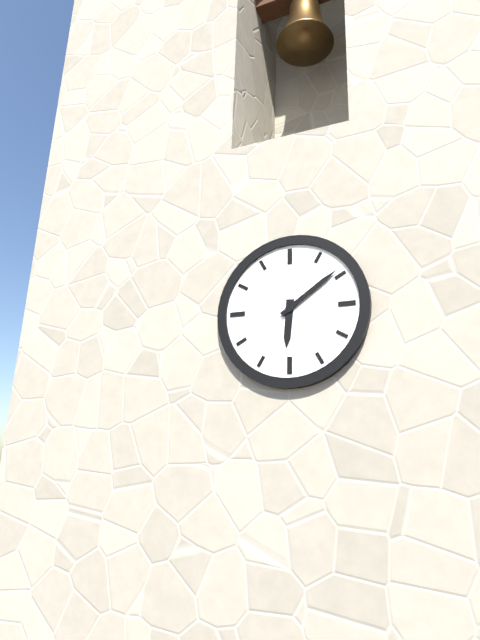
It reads 6h09
